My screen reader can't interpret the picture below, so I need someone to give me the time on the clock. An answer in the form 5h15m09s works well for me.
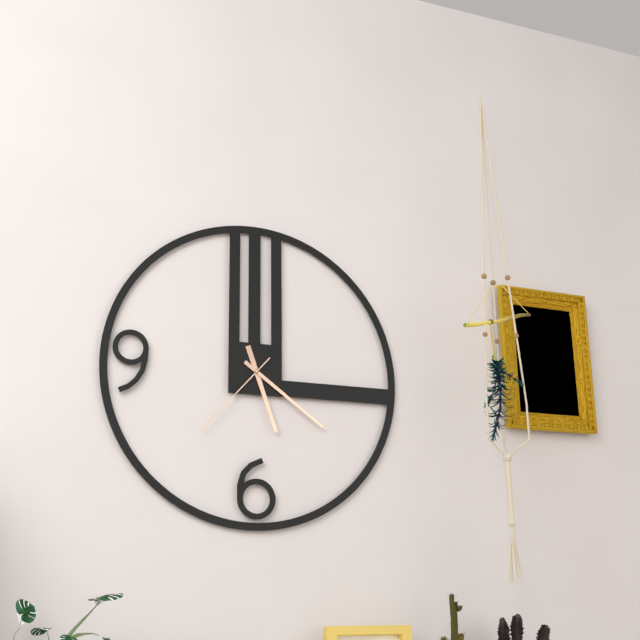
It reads 5h21m37s
